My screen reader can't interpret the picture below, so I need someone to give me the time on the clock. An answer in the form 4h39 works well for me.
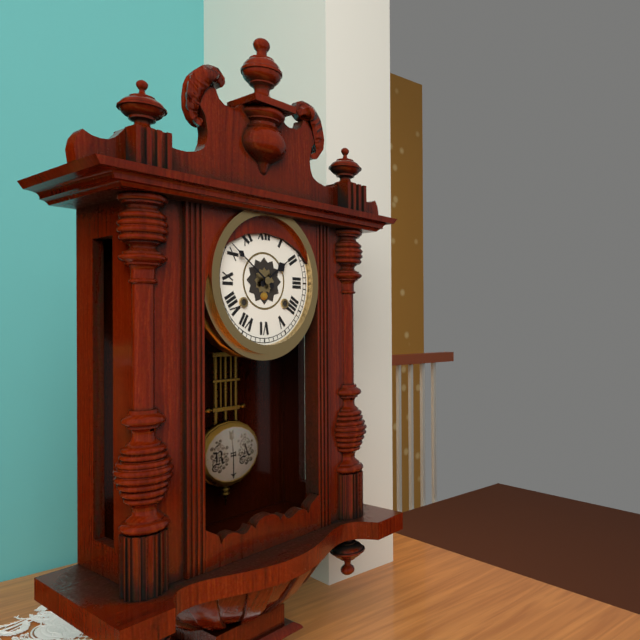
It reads 1h51
